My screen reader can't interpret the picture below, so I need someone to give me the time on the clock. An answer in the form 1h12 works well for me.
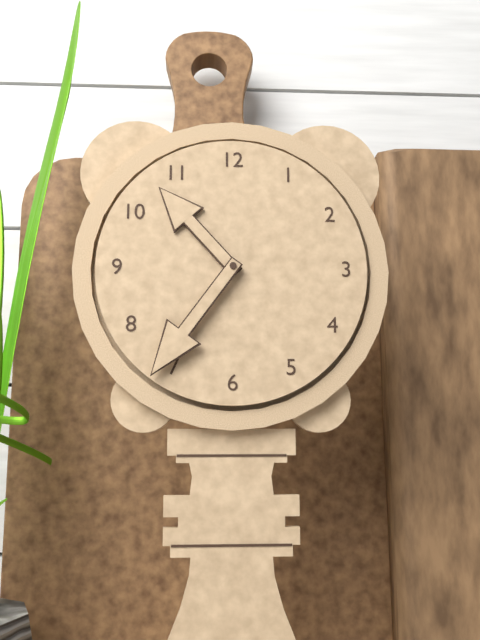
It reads 10h36
